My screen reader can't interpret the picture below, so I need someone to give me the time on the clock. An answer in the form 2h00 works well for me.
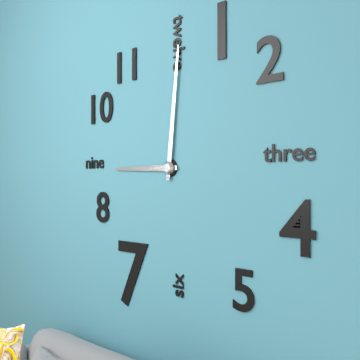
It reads 9h01
